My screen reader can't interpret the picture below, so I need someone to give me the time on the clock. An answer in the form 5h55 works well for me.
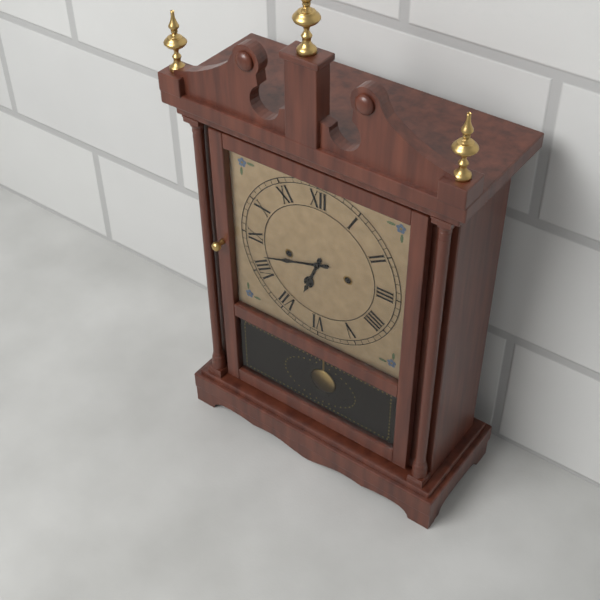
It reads 6h42
